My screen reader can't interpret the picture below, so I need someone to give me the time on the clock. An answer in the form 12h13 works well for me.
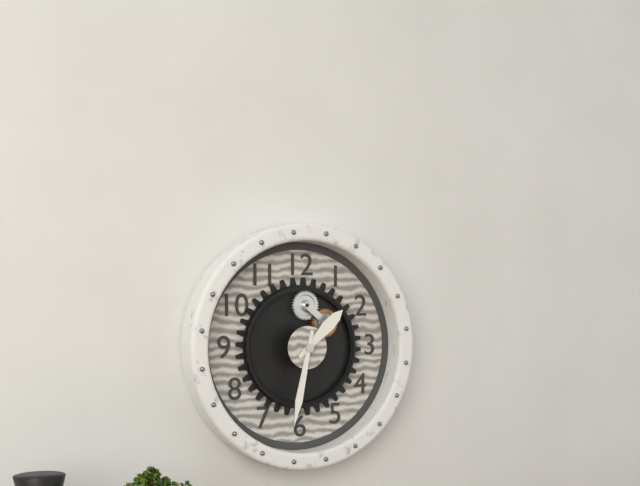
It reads 1h32
